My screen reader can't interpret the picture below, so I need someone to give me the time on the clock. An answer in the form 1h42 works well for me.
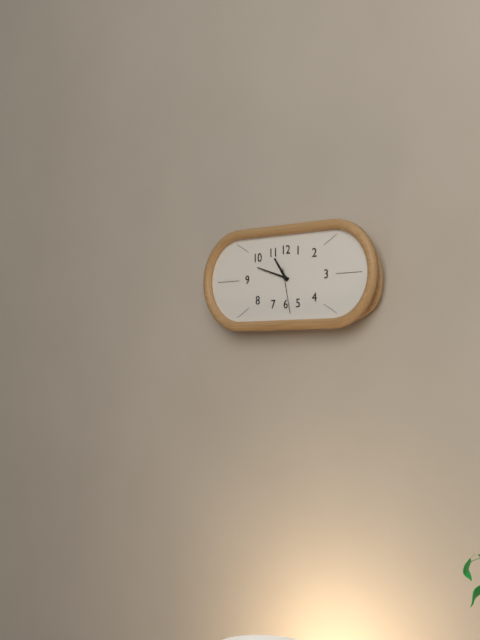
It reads 10h48
